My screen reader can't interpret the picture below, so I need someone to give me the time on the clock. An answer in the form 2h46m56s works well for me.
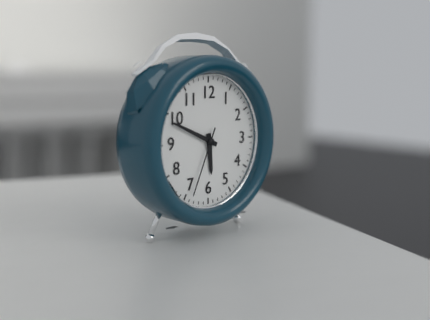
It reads 5h49m34s
